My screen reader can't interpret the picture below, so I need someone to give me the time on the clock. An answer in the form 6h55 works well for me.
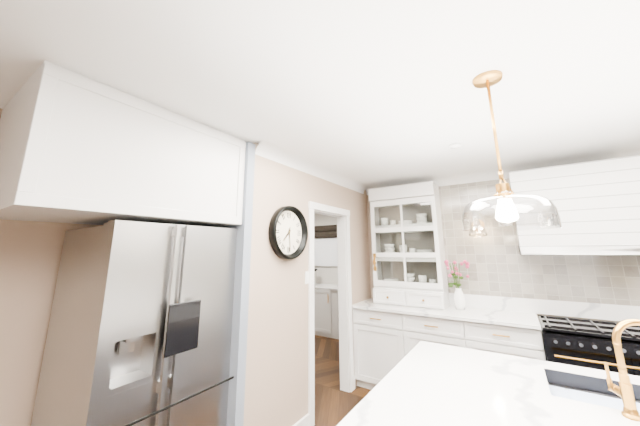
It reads 7h29
